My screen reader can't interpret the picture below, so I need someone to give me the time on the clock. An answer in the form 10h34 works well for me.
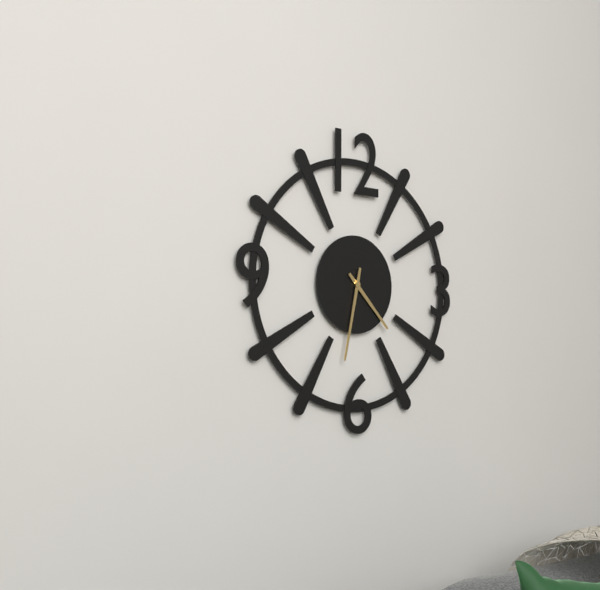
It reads 4h32
